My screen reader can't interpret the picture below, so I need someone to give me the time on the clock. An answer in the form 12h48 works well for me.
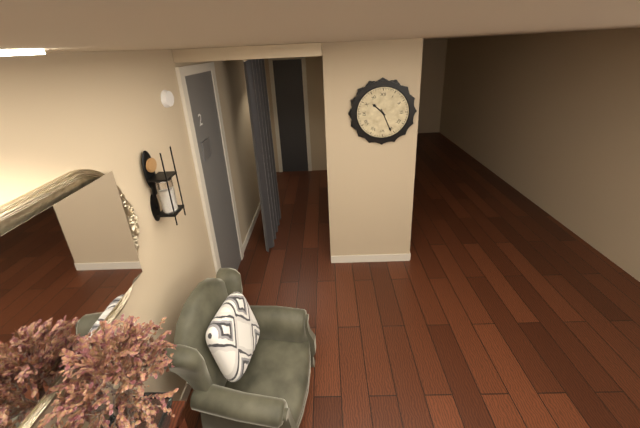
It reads 10h26
